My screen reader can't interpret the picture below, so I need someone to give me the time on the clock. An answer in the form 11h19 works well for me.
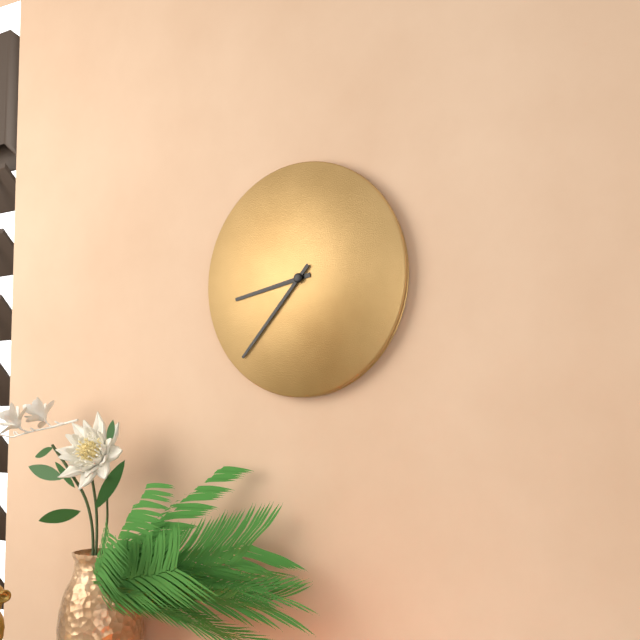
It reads 8h37
